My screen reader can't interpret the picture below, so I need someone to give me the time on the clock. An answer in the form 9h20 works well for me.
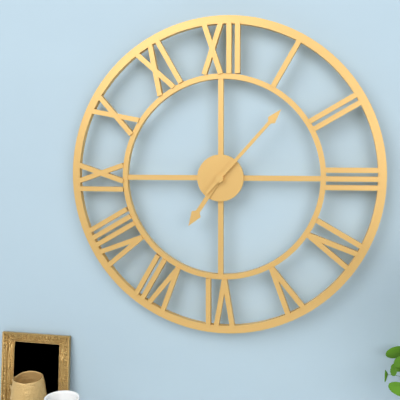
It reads 7h07
